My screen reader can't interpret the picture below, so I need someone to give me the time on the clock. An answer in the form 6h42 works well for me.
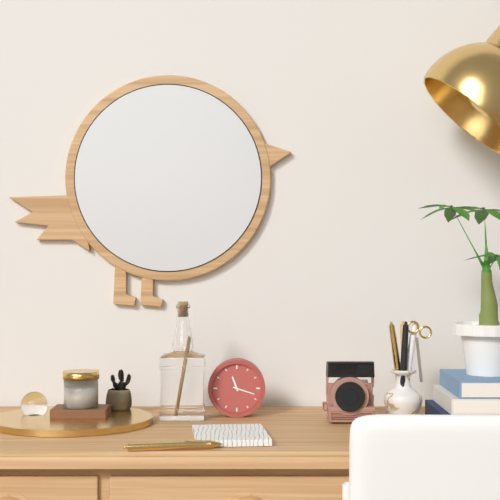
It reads 11h18
